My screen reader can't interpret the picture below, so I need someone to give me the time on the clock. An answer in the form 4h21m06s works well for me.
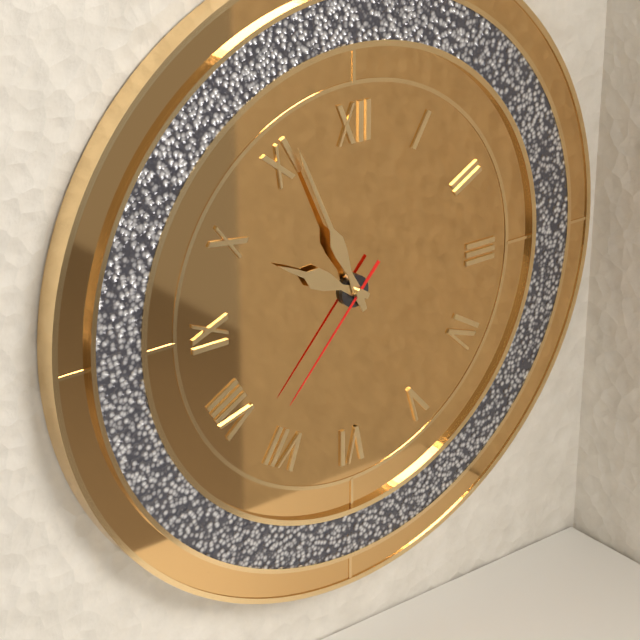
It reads 9h56m37s
